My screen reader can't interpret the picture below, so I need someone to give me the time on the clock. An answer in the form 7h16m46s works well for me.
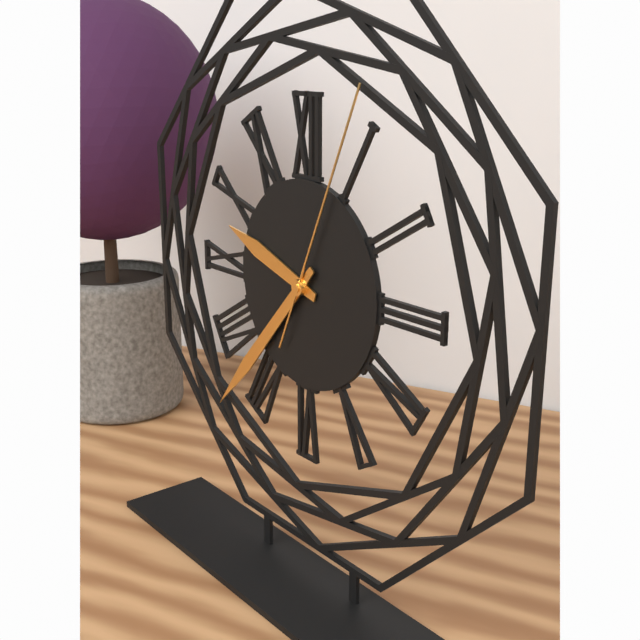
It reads 9h37m04s
